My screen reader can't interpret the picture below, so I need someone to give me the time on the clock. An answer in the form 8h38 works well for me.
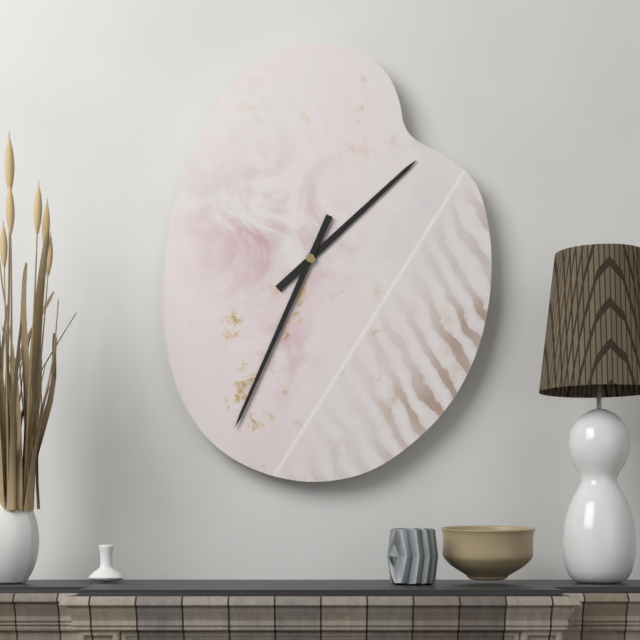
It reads 1h34
